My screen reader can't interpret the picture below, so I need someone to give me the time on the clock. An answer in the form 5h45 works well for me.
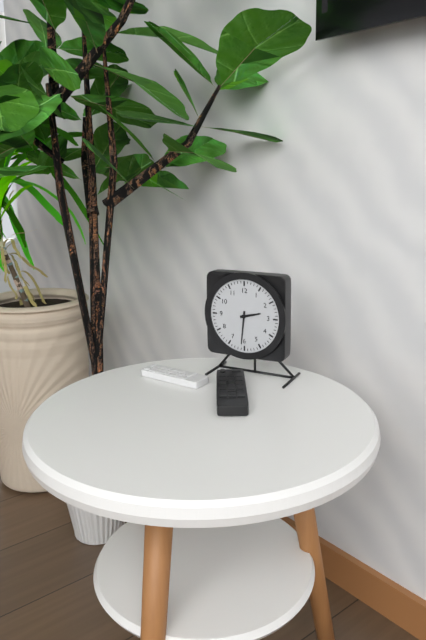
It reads 2h31
